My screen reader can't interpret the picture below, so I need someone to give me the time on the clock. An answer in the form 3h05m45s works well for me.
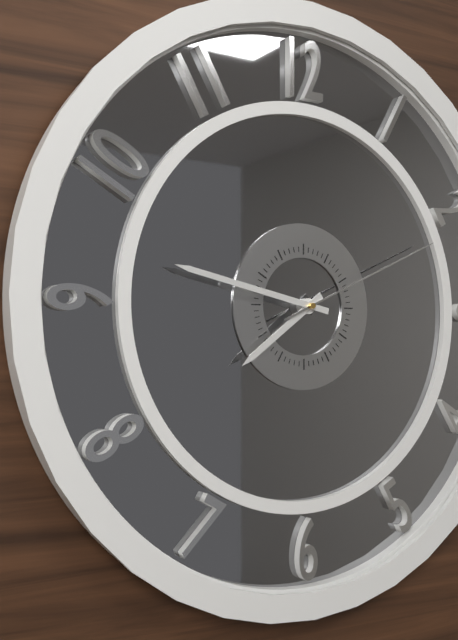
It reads 7h47m11s
